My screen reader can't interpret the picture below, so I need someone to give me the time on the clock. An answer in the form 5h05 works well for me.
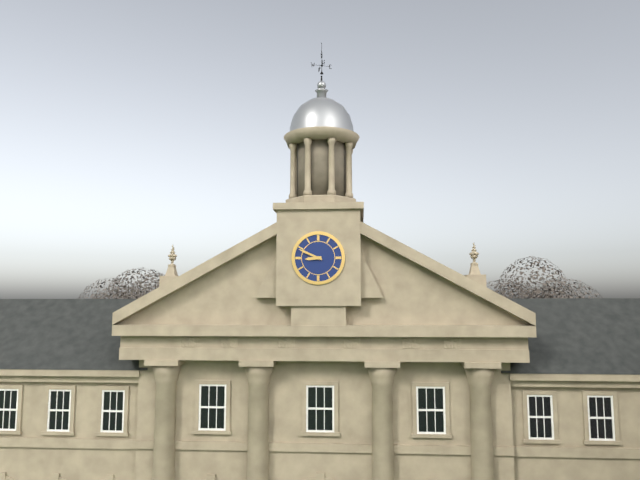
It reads 8h49
